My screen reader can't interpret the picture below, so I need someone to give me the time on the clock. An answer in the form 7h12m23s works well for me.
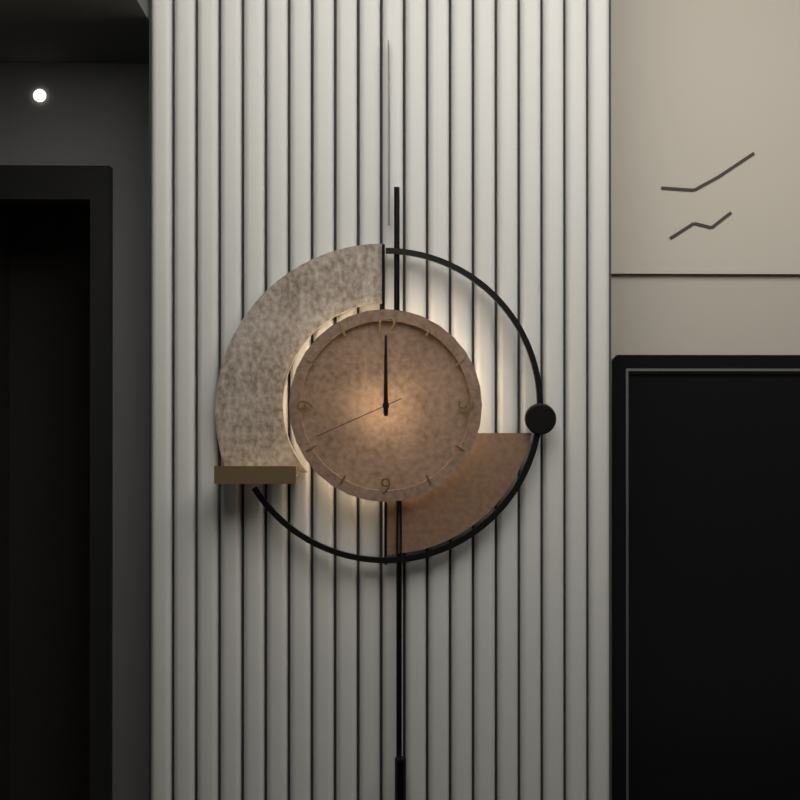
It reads 12h00m41s
